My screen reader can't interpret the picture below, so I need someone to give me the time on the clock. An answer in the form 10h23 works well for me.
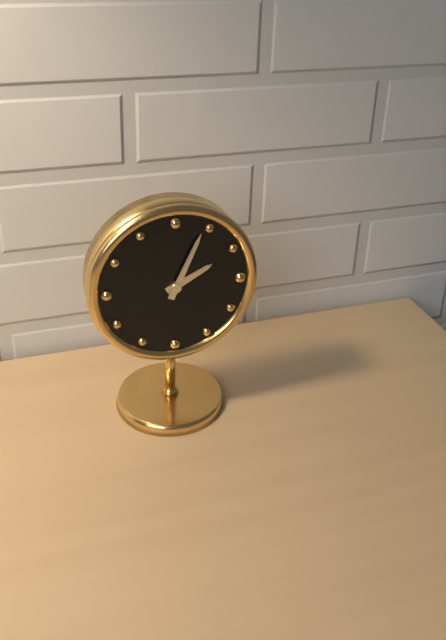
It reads 2h04
